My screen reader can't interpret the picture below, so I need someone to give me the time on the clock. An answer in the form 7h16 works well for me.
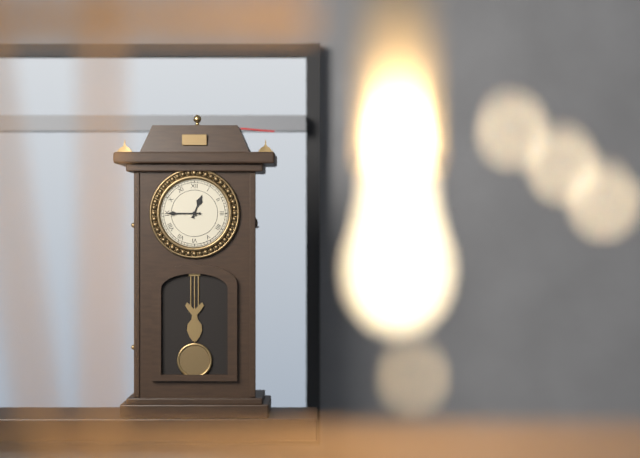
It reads 12h45
